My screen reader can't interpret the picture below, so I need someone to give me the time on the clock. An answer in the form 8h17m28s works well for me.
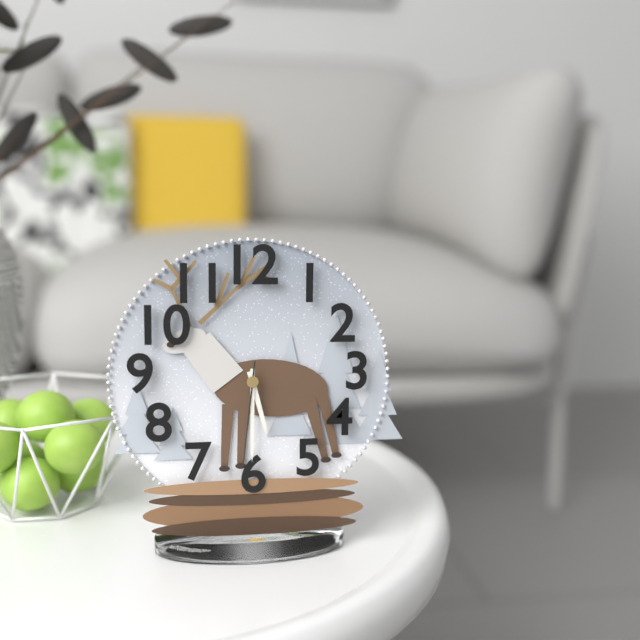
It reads 5h30m31s
